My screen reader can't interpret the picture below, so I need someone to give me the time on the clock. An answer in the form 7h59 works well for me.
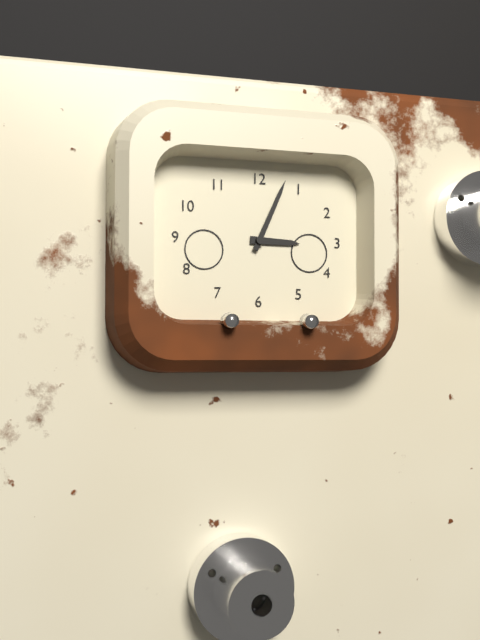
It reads 3h04
